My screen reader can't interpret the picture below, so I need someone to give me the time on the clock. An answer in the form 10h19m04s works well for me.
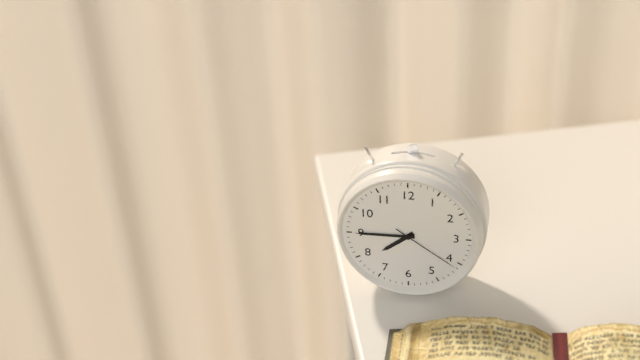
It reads 7h45m21s
